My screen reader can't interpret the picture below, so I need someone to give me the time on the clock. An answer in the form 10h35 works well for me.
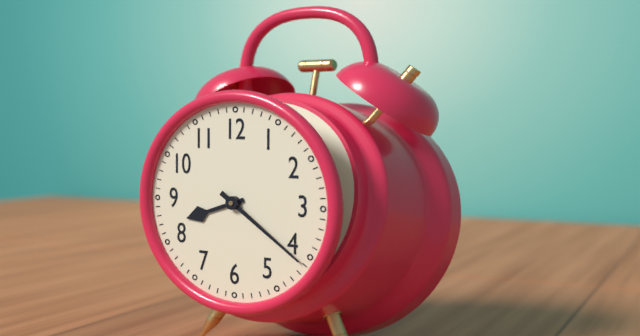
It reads 8h21
